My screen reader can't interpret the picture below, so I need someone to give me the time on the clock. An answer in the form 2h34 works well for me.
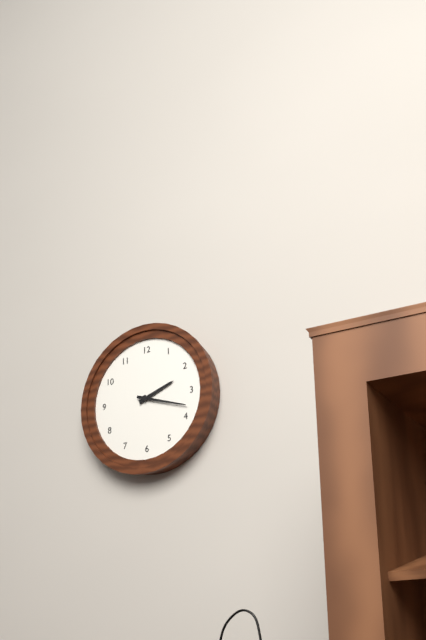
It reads 2h18
